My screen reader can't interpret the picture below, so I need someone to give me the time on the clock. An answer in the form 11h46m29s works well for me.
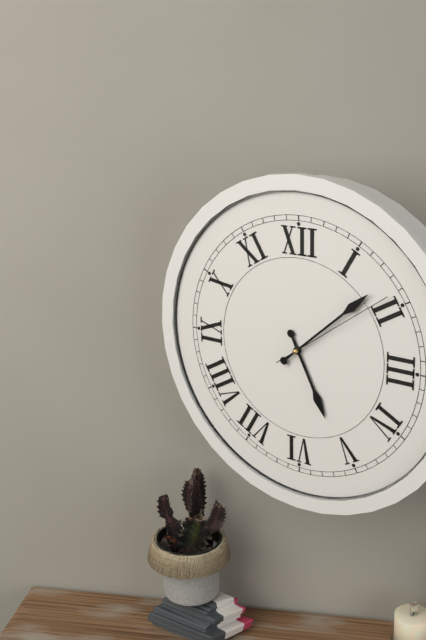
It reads 5h08m09s
